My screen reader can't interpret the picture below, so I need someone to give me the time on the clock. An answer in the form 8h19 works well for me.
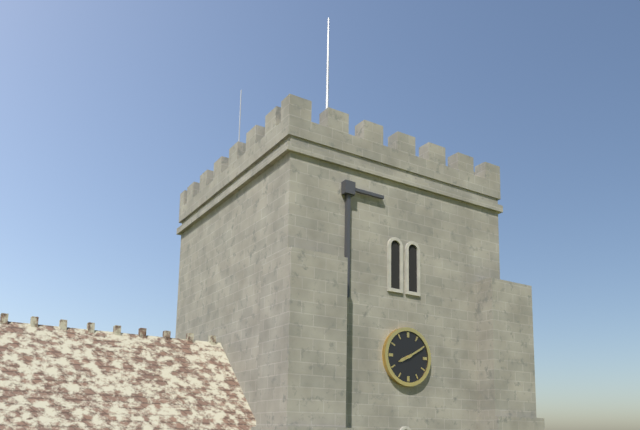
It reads 8h10
